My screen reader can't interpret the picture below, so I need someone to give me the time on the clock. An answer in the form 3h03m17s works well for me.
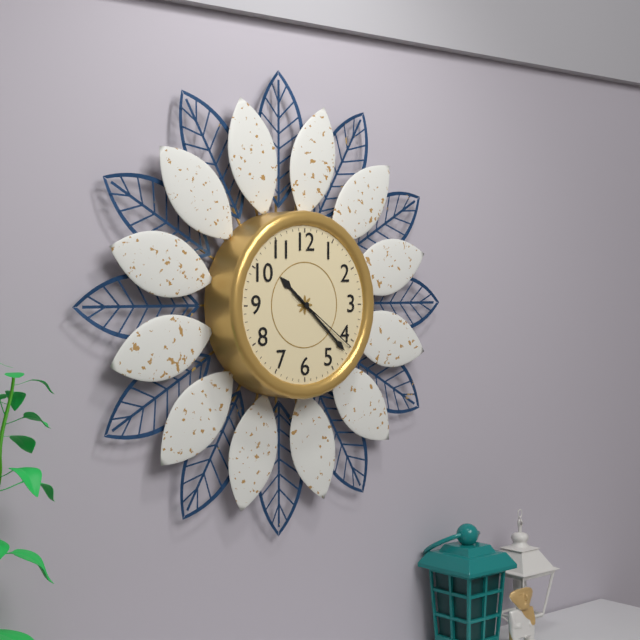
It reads 10h22m21s
